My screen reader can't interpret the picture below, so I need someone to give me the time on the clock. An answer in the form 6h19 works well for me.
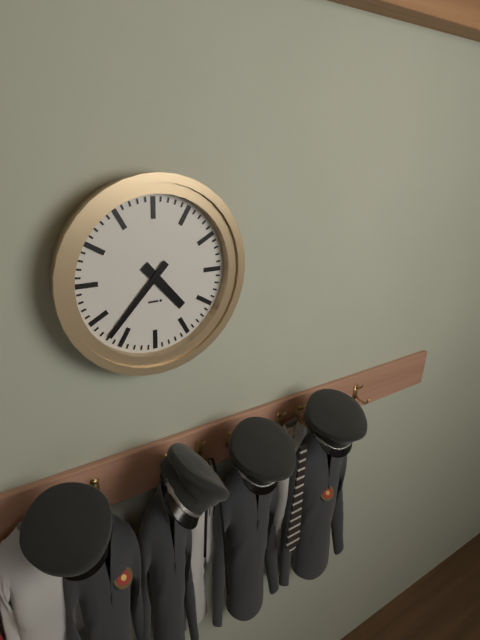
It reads 4h37
